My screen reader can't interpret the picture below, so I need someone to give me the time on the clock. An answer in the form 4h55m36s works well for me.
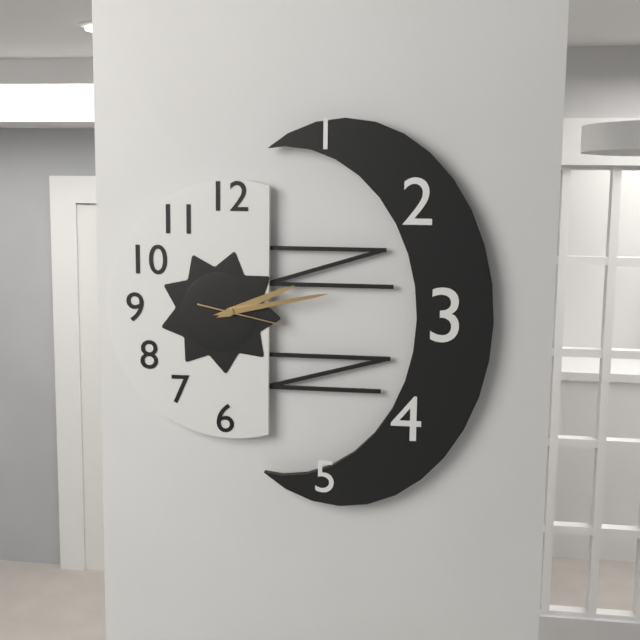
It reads 2h13m17s
